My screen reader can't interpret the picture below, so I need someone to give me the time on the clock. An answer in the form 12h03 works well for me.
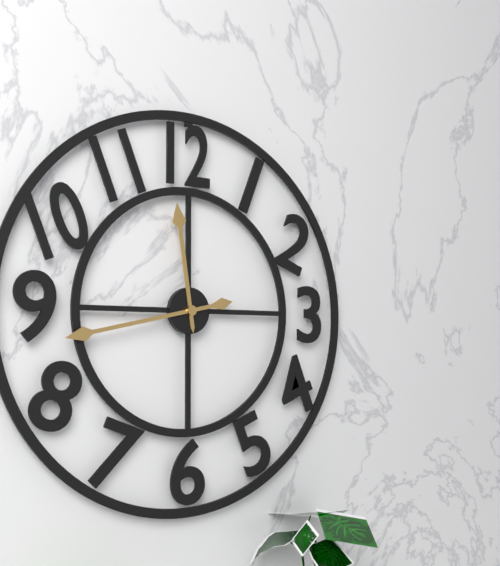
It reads 11h43
